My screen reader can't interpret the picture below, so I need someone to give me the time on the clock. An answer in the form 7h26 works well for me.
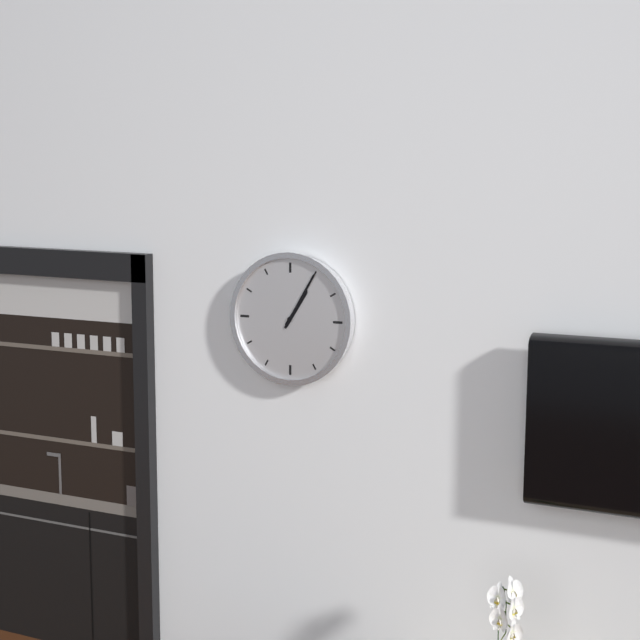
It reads 1h05
